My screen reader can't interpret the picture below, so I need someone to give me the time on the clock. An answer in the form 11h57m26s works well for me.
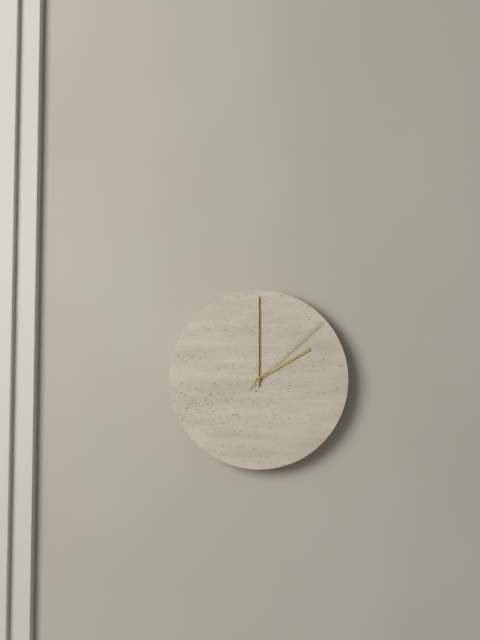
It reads 2h00m08s
